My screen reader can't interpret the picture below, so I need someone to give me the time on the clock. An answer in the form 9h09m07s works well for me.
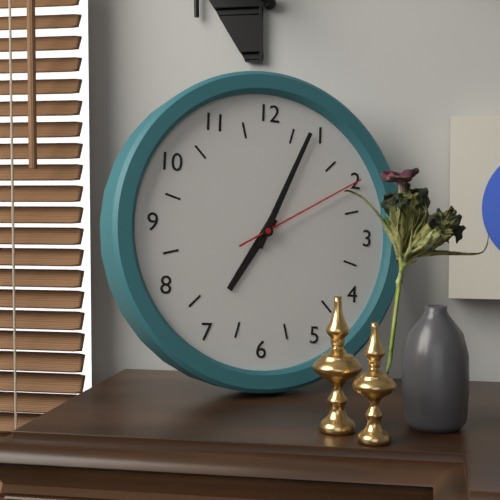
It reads 7h04m10s
